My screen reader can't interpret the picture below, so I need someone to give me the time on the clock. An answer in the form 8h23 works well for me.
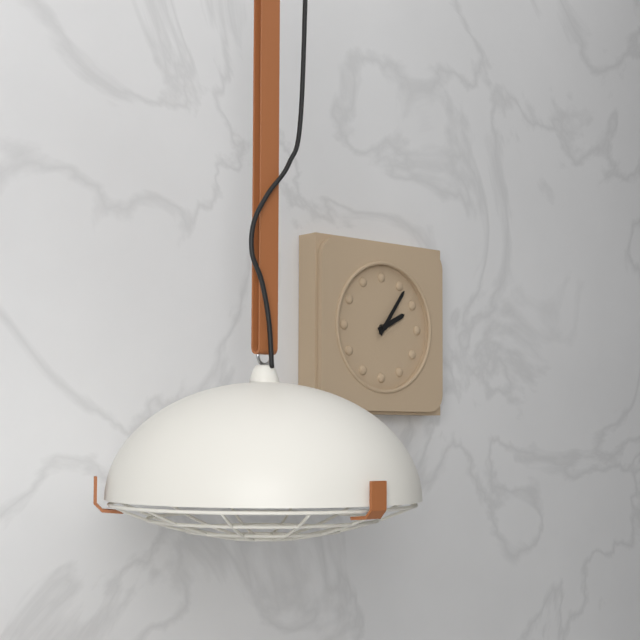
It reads 2h06
